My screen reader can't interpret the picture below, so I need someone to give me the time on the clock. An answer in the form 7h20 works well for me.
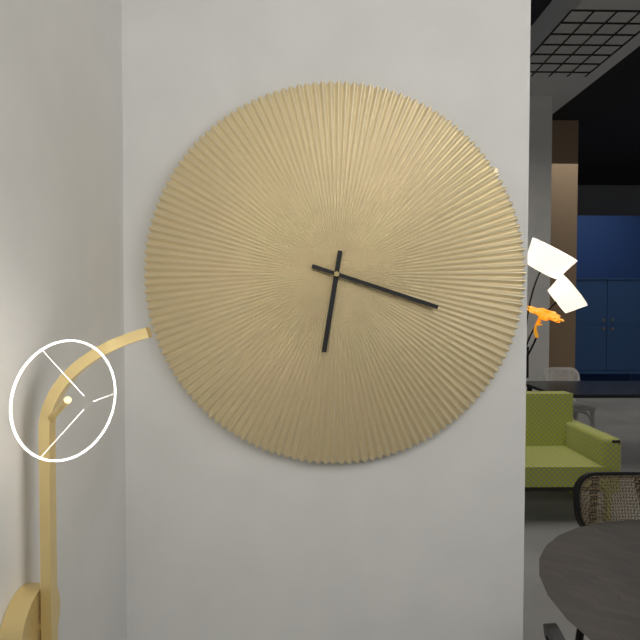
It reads 6h18
